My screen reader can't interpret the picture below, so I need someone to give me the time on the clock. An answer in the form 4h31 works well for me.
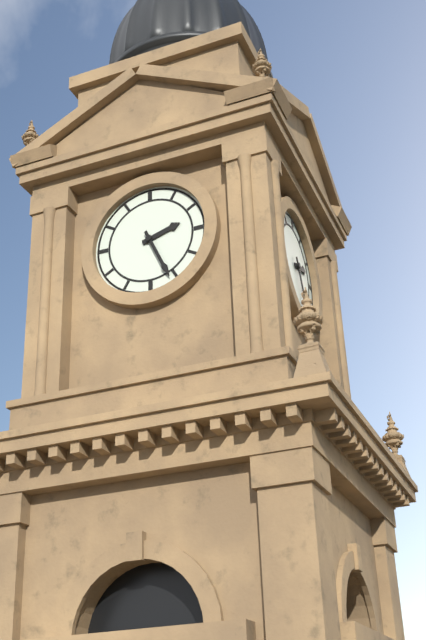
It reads 2h26
